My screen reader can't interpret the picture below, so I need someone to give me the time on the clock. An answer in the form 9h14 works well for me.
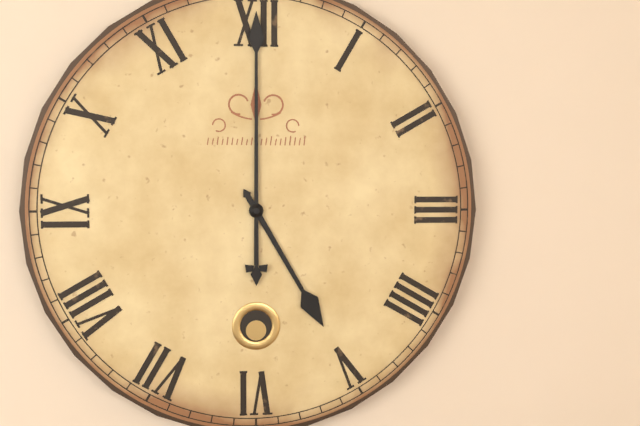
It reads 5h00
